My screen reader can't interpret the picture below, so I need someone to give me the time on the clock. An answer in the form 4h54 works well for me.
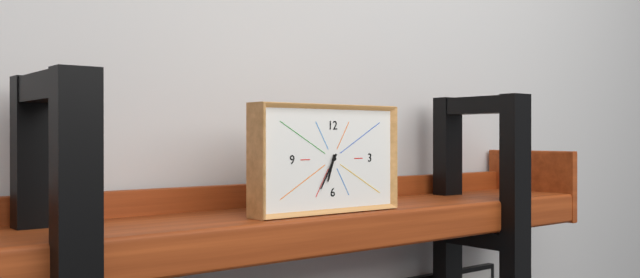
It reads 6h35
